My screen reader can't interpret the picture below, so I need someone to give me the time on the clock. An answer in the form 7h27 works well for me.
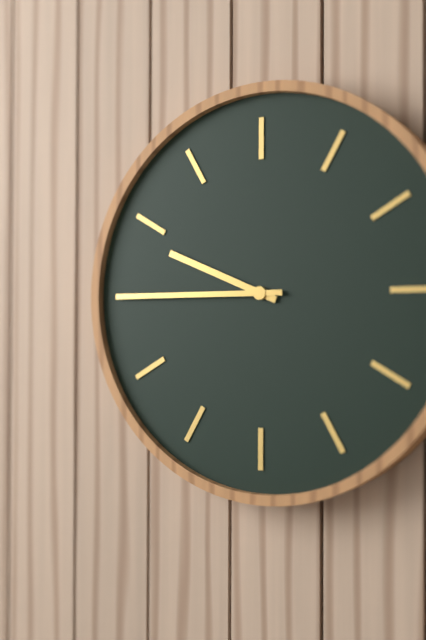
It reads 9h45
